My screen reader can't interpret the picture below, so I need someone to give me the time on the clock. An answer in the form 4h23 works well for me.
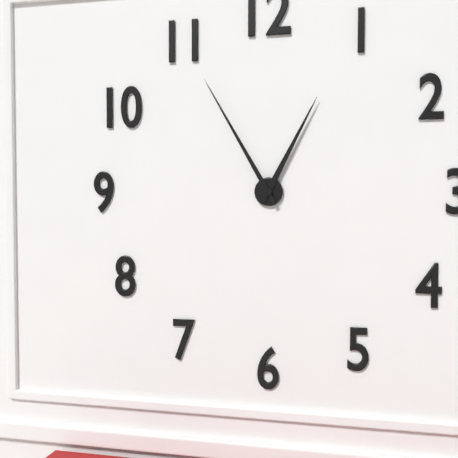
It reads 12h55
